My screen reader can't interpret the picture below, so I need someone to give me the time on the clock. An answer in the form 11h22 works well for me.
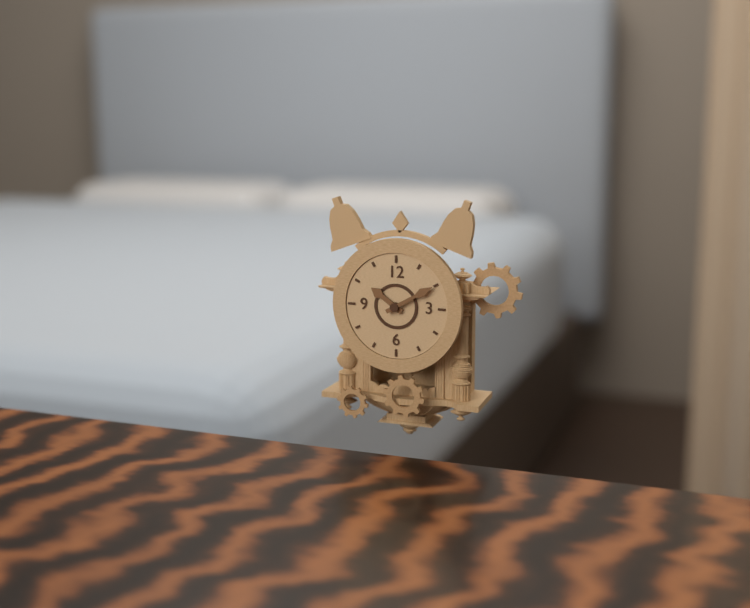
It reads 10h10
